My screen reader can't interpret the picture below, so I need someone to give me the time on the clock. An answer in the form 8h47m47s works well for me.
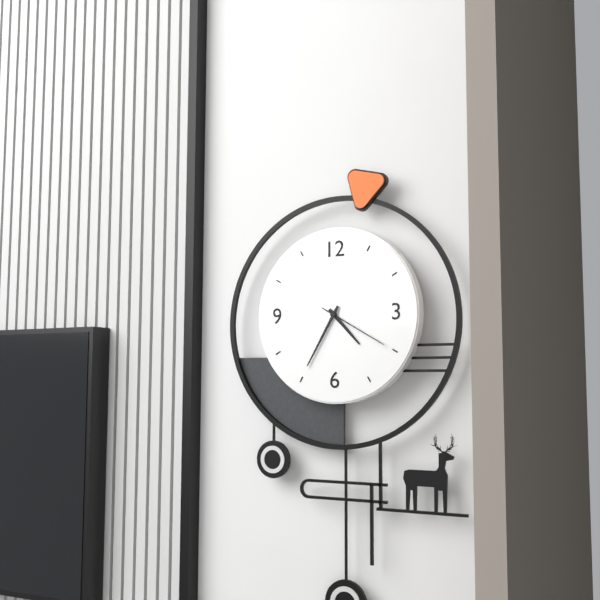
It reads 4h35m20s
